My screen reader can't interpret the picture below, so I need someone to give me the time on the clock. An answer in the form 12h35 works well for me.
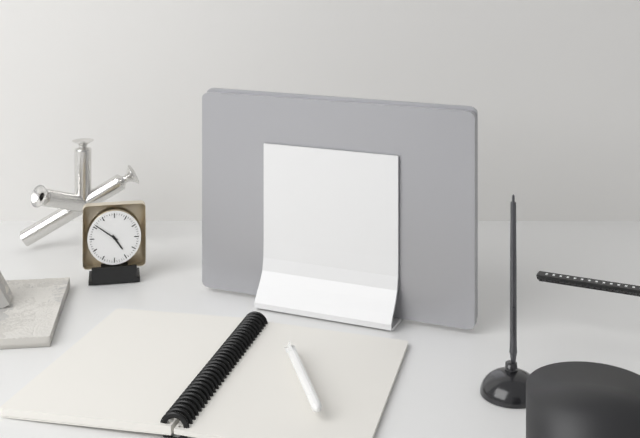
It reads 4h51
